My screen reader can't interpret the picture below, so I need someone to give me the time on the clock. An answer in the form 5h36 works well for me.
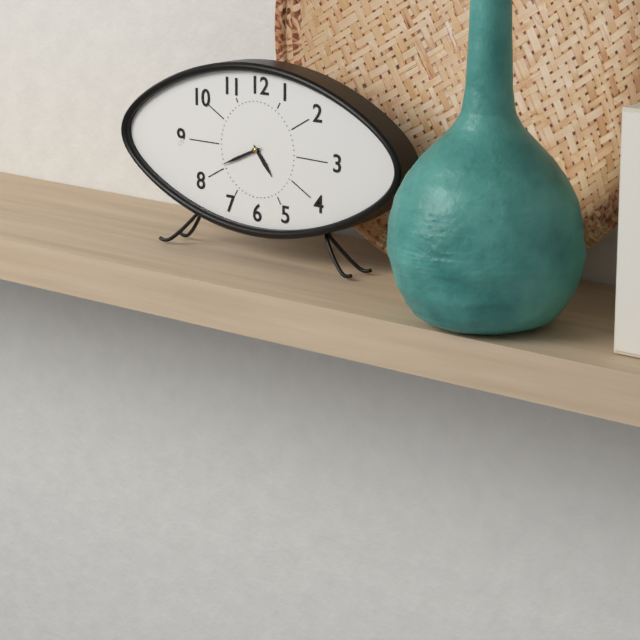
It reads 4h41
